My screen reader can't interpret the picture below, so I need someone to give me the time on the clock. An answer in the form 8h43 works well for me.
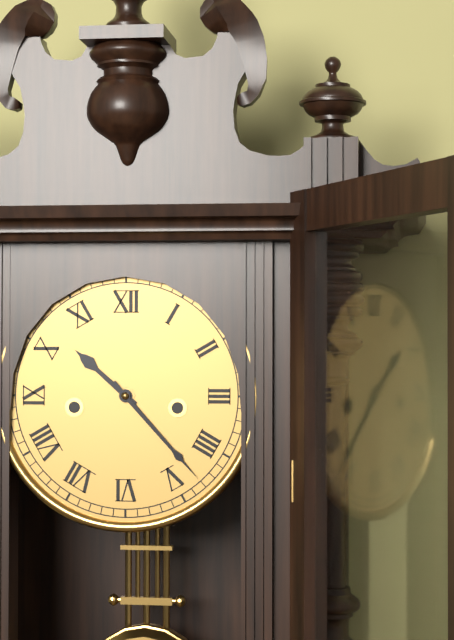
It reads 10h23
